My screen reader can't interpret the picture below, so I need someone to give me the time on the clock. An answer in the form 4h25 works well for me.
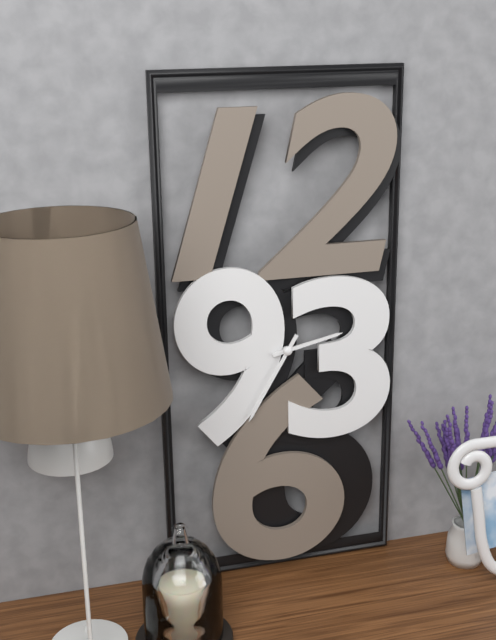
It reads 2h35
